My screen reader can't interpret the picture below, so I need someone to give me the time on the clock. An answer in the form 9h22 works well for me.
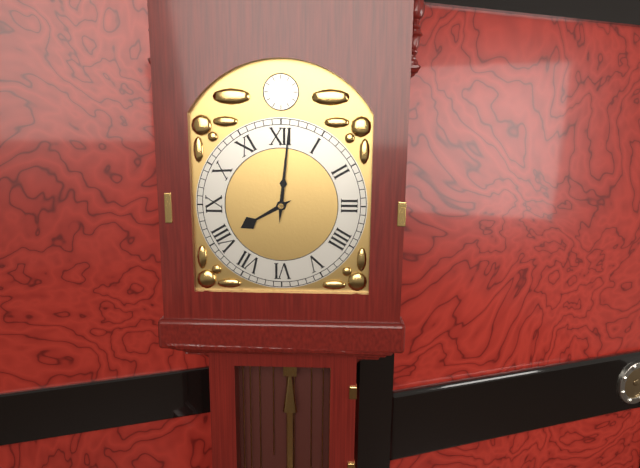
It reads 8h01
